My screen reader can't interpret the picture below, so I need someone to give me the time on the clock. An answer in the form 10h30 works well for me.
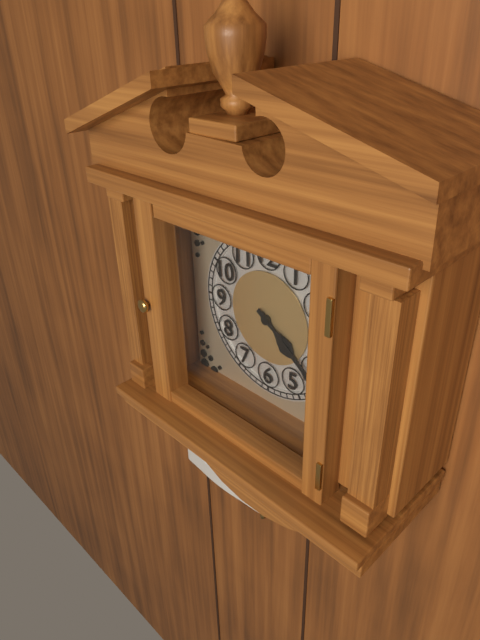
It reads 4h21
